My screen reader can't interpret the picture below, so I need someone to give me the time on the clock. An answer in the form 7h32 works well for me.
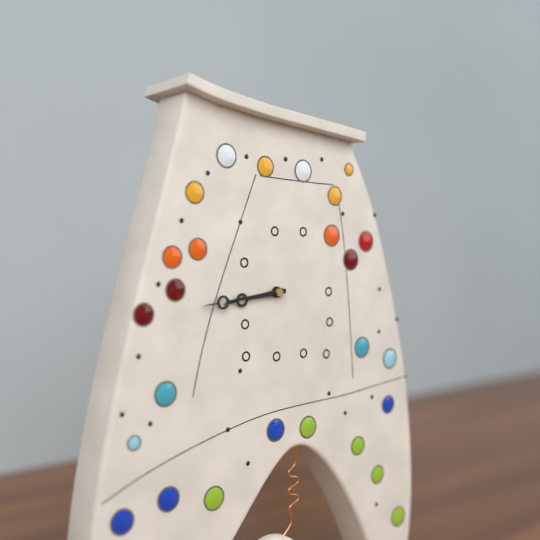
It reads 8h44
